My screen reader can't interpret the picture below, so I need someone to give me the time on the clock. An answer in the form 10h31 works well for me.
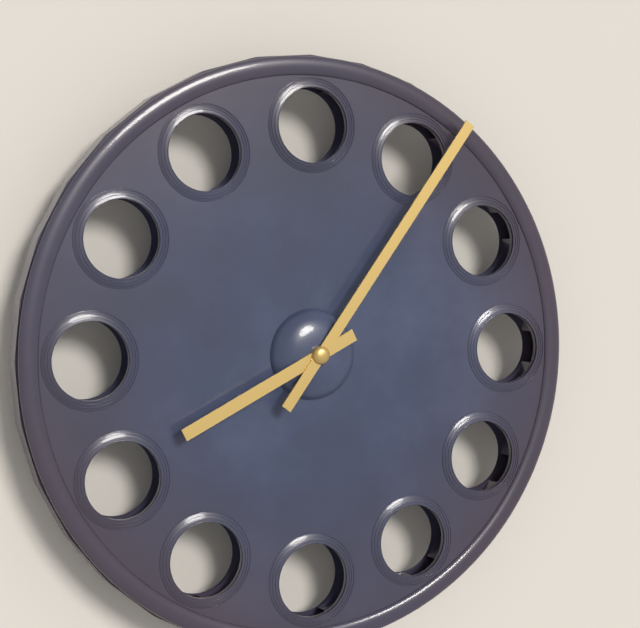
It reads 8h06
